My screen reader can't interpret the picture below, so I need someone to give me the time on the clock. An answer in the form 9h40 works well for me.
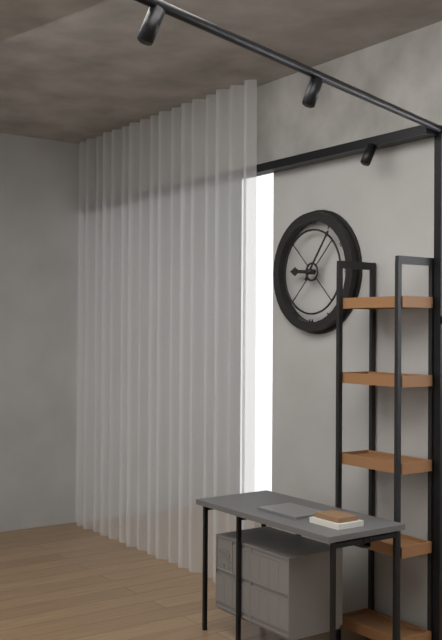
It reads 9h06
